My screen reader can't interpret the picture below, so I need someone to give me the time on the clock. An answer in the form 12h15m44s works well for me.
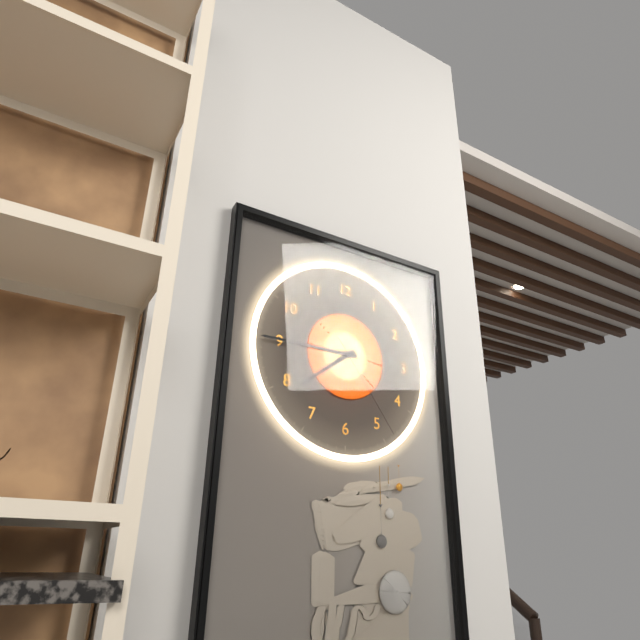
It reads 7h45m24s
